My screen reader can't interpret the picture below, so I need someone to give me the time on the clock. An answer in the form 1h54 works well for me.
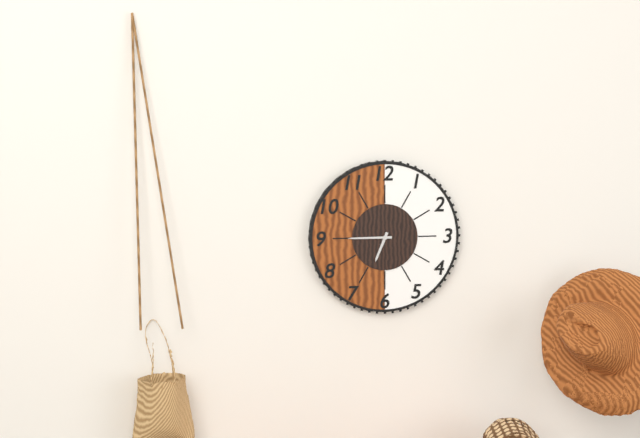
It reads 6h45
